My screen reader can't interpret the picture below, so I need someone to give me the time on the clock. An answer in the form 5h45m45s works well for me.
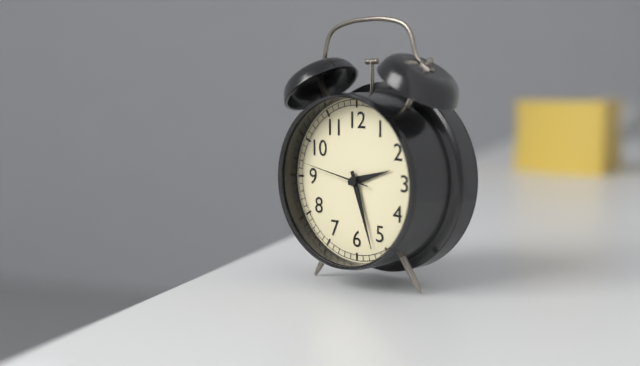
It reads 2h27m47s
